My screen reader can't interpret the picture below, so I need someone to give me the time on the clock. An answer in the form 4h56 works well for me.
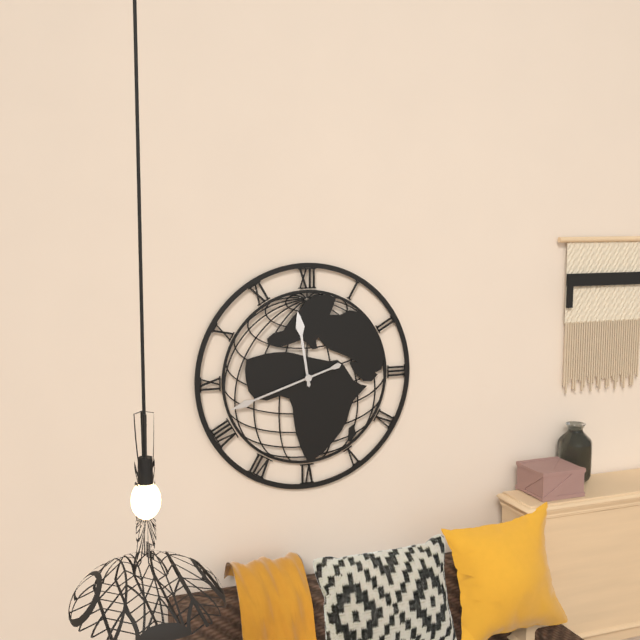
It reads 11h42
